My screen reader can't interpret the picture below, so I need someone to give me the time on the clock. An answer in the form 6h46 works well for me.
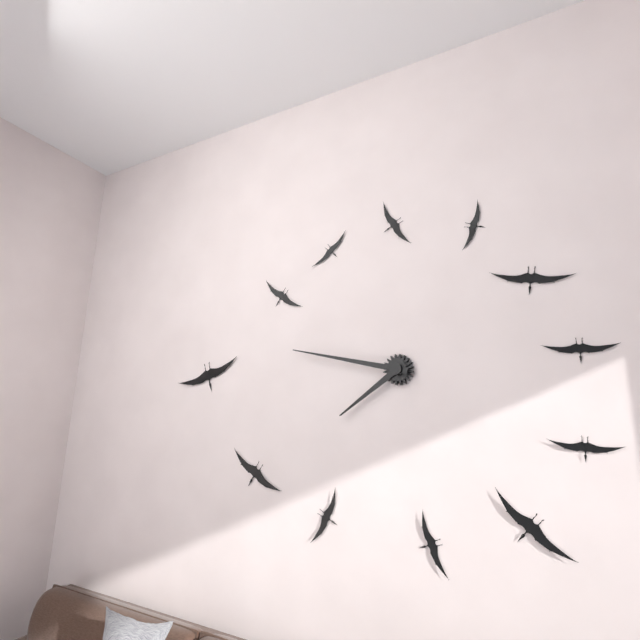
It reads 7h47
